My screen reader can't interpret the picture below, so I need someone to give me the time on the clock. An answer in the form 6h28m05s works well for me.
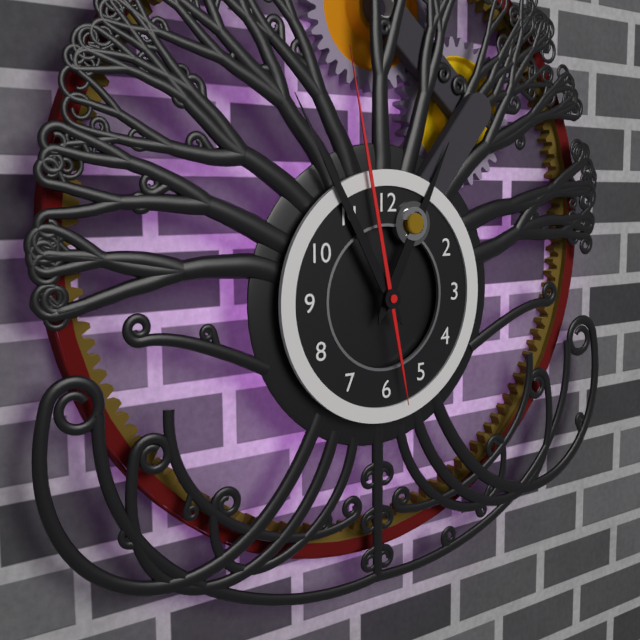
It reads 12h55m58s
